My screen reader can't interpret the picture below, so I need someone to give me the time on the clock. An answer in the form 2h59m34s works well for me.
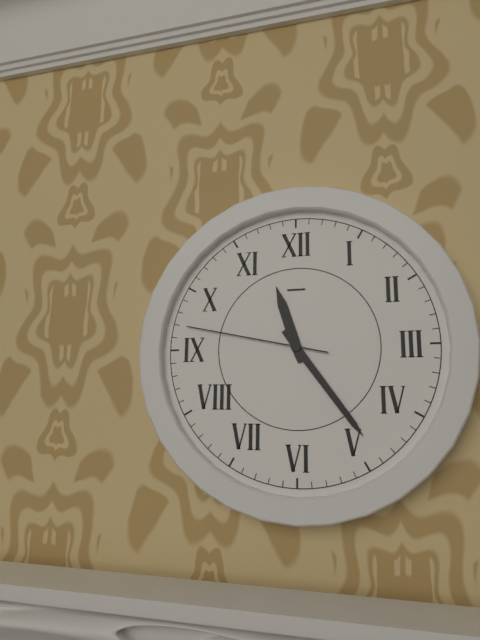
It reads 11h24m47s
